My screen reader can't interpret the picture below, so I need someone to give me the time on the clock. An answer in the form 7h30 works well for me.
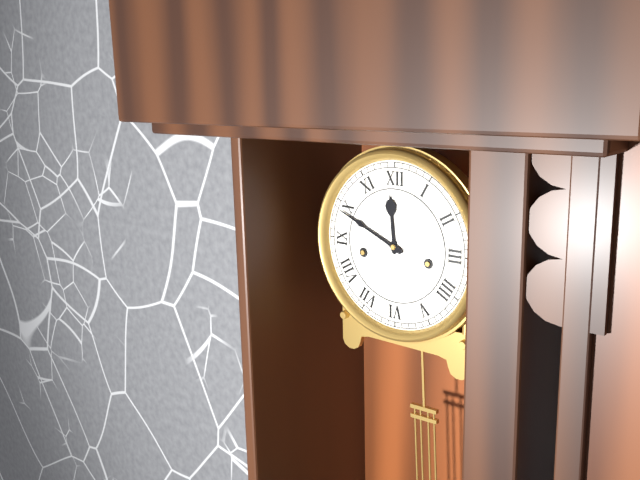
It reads 11h49
